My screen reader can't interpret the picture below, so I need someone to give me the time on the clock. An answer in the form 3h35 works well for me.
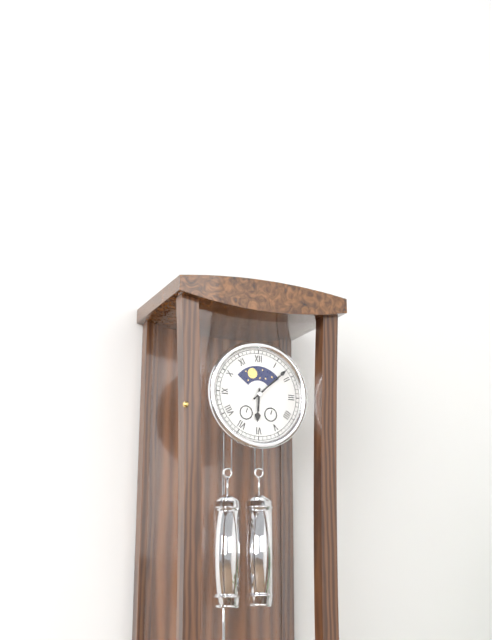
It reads 6h08
